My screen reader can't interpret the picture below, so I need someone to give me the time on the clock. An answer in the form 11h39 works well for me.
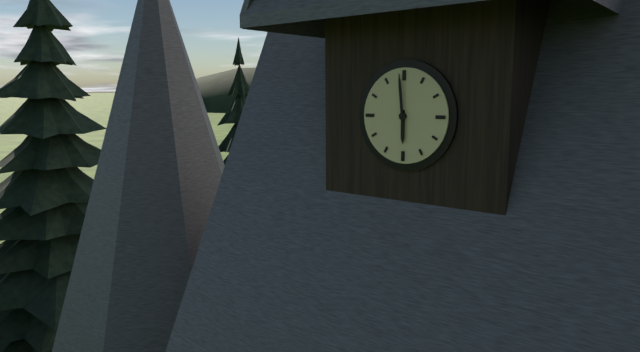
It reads 5h59
